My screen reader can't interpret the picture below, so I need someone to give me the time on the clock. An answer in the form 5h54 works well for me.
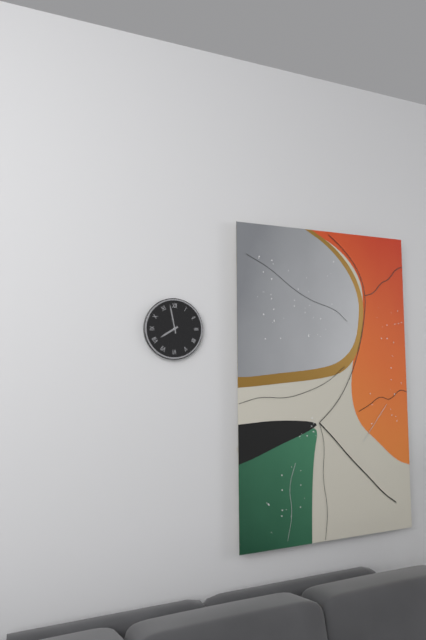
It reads 7h58
